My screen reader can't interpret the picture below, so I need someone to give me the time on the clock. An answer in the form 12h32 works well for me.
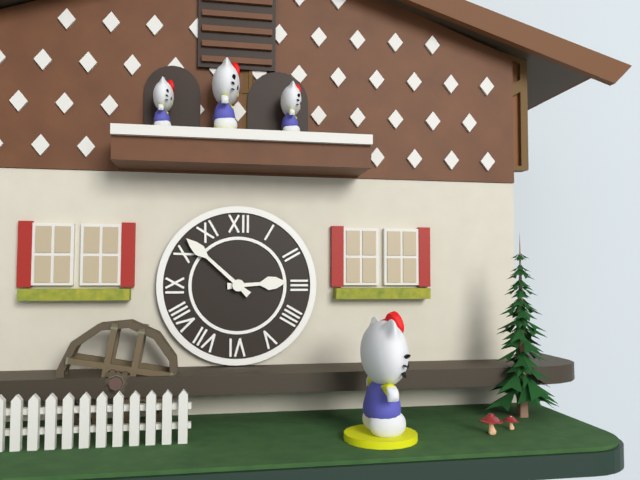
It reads 2h52
